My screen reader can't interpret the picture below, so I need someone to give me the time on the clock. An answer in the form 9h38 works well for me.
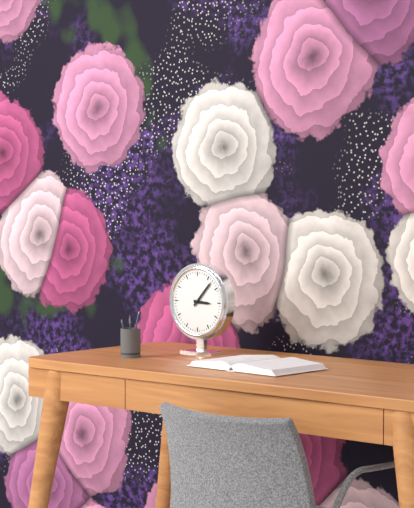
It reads 3h07
